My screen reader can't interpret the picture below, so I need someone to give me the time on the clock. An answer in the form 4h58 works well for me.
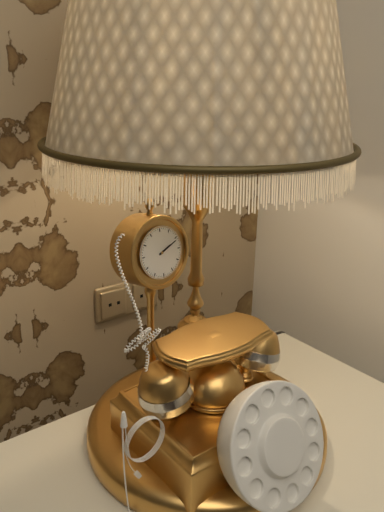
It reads 2h11
